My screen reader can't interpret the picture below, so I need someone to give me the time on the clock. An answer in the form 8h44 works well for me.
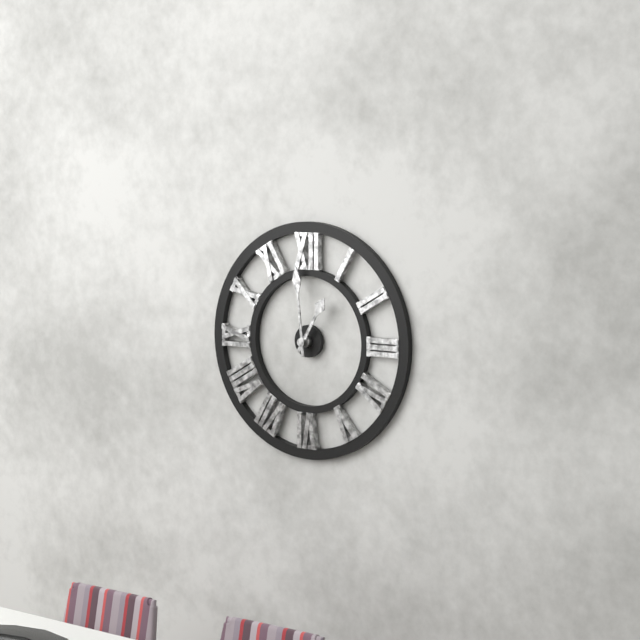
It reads 12h59
